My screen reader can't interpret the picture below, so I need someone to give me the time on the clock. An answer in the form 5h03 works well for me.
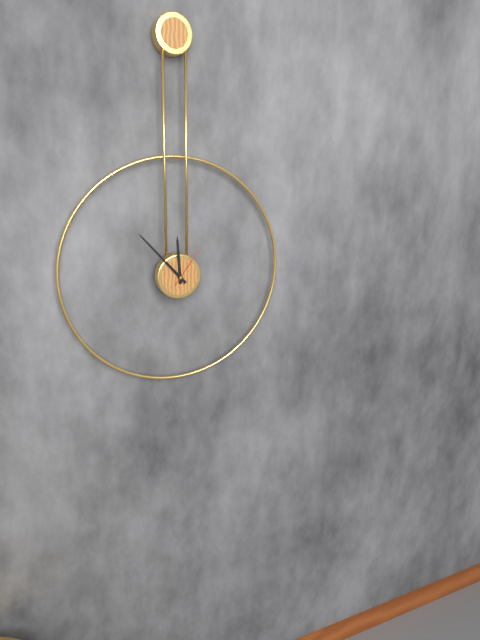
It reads 11h53
